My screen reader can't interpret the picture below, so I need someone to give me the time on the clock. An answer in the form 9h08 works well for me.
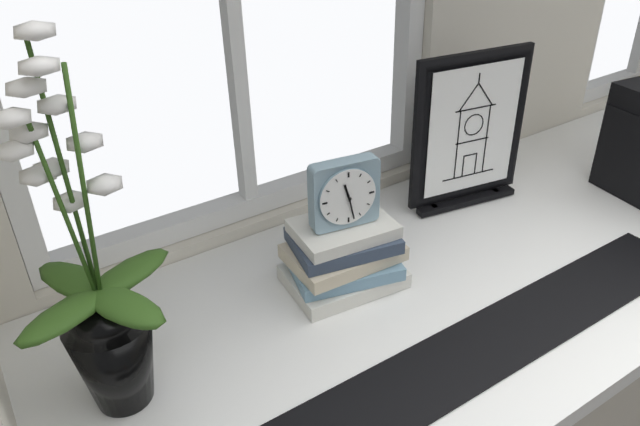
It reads 11h28
